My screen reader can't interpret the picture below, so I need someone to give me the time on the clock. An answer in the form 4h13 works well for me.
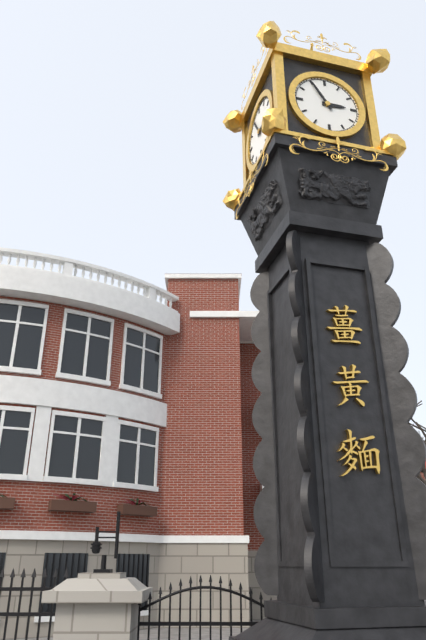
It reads 2h55
